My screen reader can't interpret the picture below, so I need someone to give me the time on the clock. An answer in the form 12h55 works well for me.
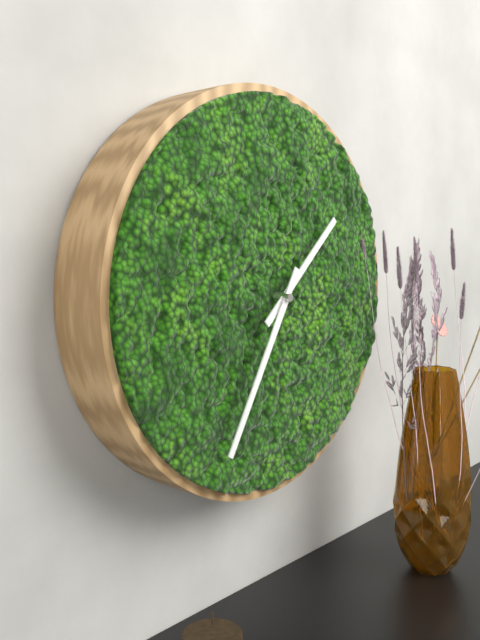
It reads 1h35
